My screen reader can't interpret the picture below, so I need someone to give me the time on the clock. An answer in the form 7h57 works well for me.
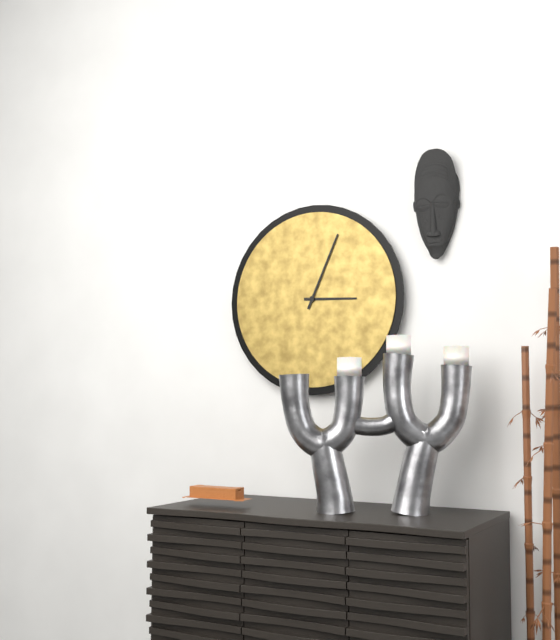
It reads 3h04
